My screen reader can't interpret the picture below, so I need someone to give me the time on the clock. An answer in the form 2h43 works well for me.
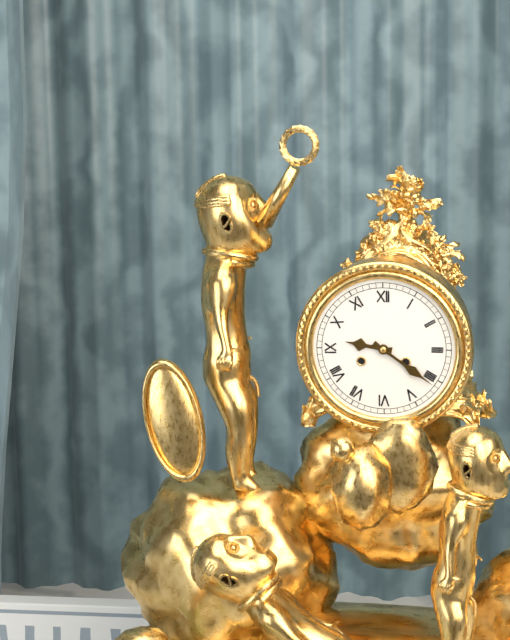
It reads 9h21
